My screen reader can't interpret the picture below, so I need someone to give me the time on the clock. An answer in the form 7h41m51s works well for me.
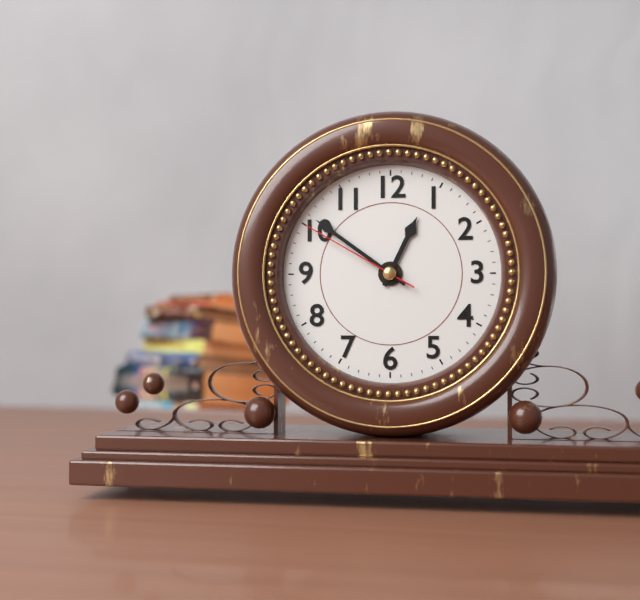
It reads 12h51m50s
